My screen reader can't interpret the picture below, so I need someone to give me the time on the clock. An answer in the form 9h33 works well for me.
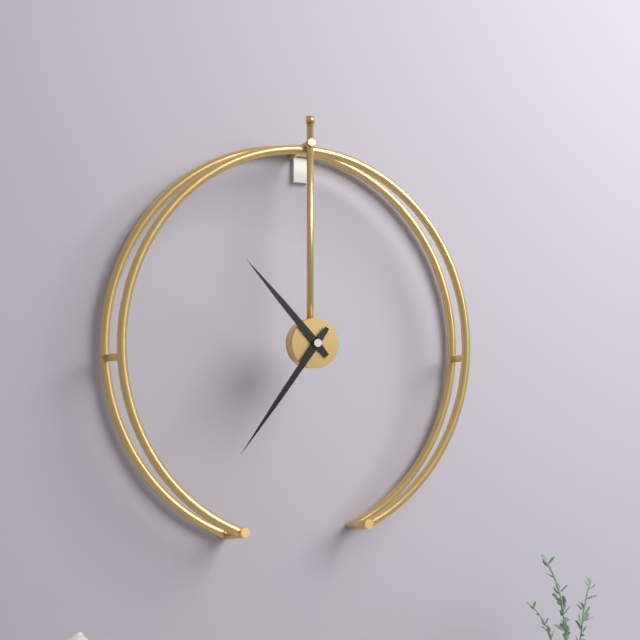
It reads 10h36
